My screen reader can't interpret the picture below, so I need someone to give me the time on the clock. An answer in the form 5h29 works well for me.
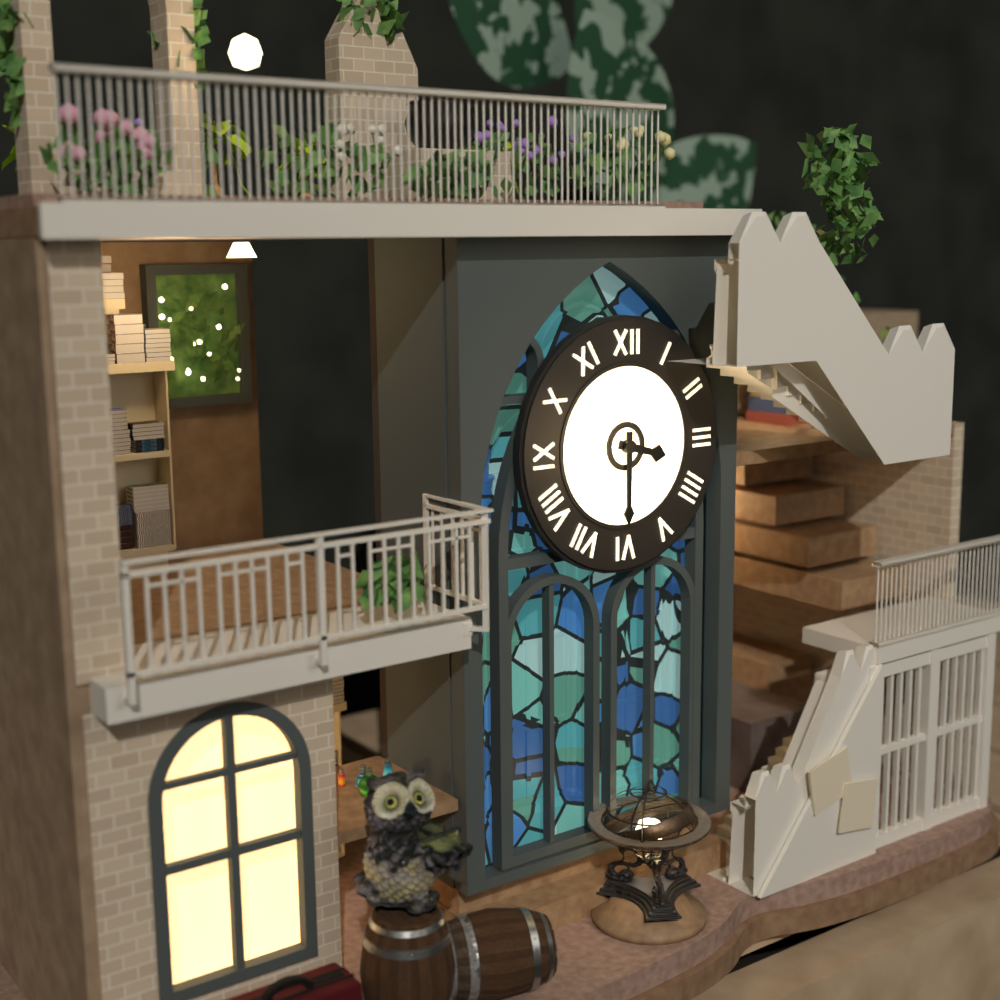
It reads 3h30
